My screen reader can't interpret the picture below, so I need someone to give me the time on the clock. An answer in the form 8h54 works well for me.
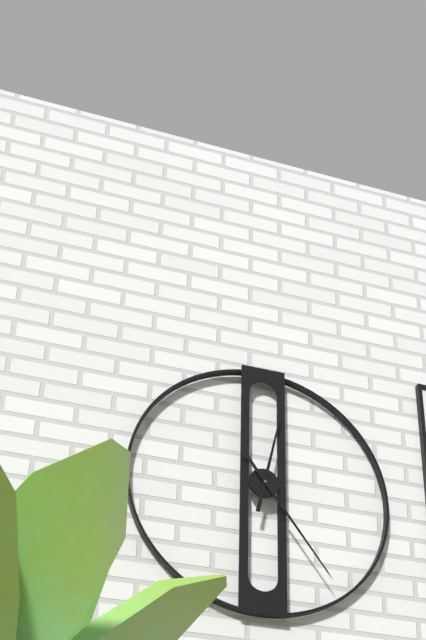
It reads 12h24
